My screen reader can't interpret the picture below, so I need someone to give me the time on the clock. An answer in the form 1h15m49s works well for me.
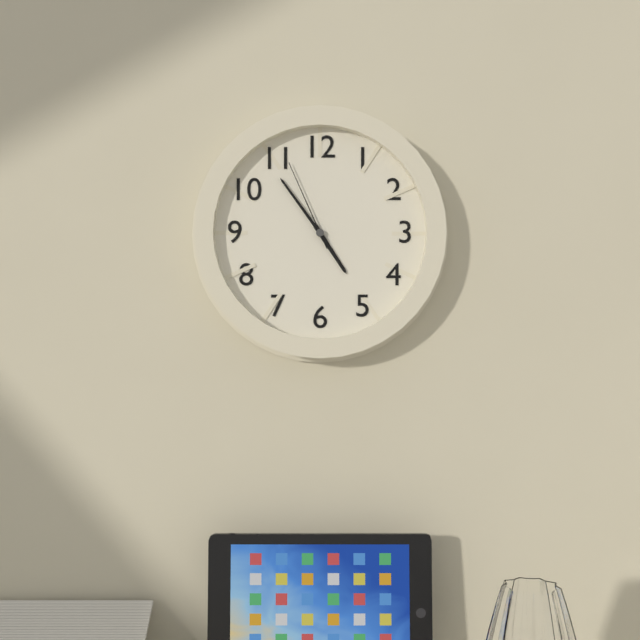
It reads 4h54m56s
